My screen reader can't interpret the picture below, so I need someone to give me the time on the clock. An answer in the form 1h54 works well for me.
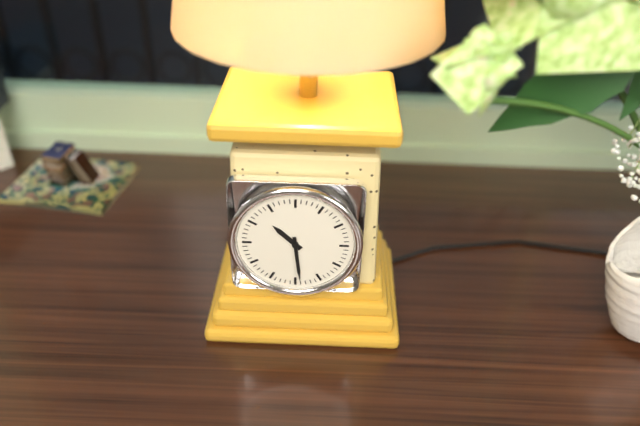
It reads 10h29
